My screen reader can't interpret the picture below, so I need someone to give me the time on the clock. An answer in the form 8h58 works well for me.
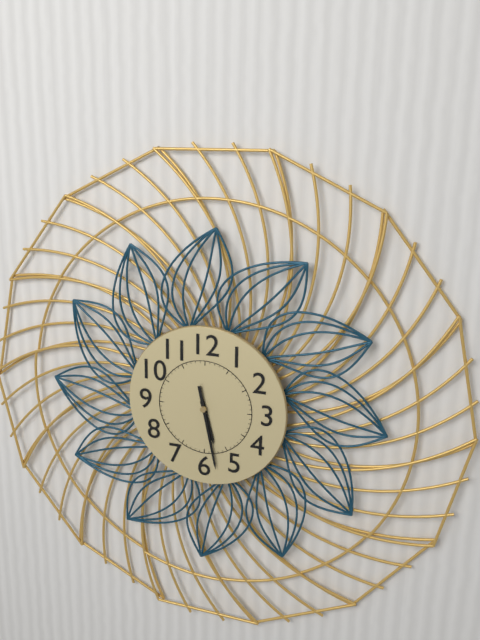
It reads 5h28
